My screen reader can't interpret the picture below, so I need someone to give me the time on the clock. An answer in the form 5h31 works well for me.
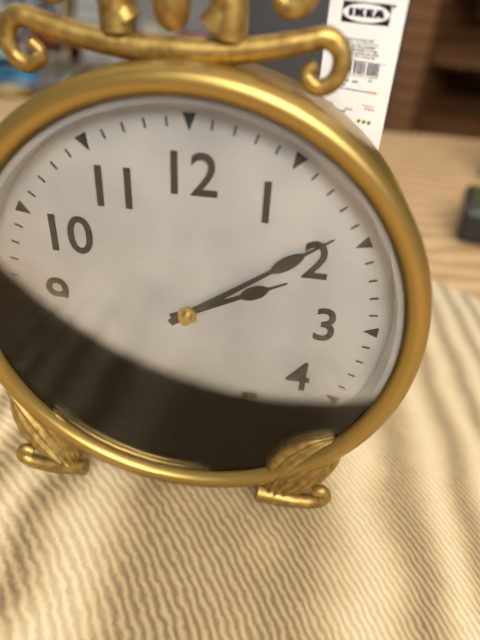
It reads 2h09
